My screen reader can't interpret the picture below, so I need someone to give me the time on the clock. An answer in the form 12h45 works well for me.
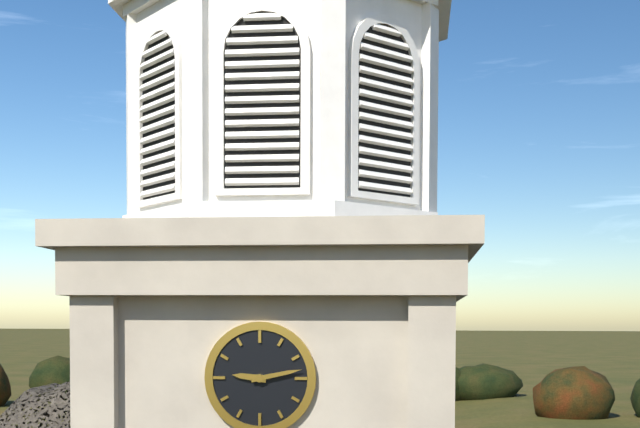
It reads 9h13
